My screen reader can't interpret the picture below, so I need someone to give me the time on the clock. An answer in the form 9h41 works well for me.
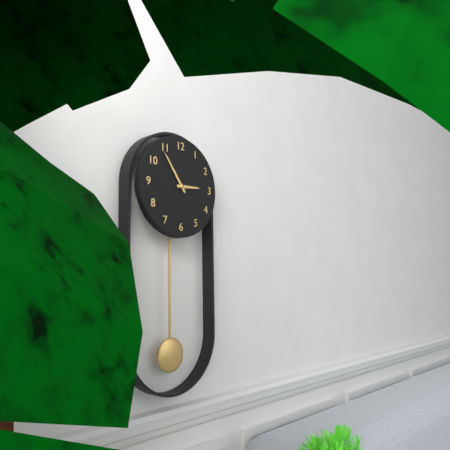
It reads 2h54
